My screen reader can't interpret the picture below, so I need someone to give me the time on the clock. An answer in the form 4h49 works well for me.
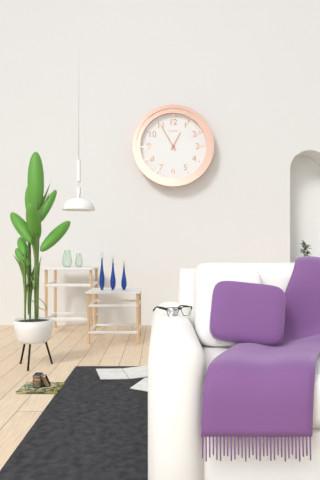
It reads 12h55
